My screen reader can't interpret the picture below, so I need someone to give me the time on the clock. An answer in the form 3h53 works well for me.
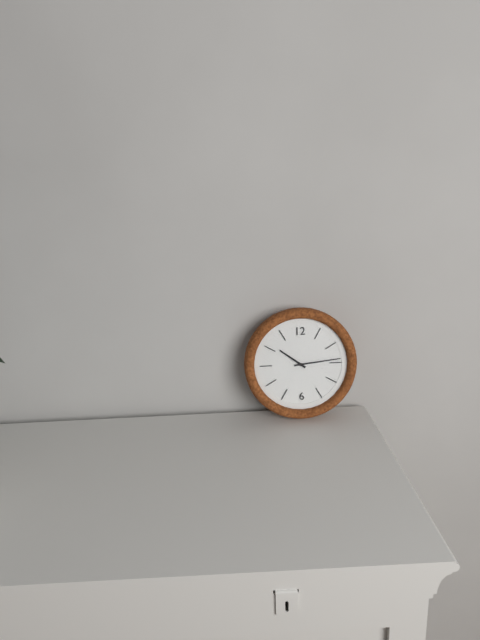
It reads 10h14
